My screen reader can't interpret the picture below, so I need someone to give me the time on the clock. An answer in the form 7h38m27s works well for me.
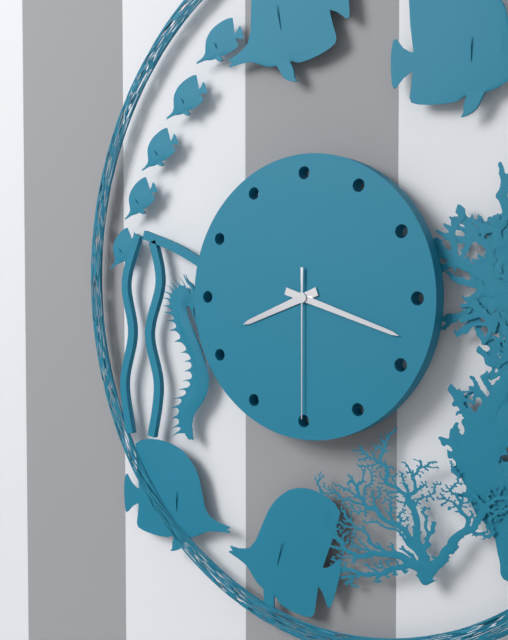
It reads 8h18m30s
